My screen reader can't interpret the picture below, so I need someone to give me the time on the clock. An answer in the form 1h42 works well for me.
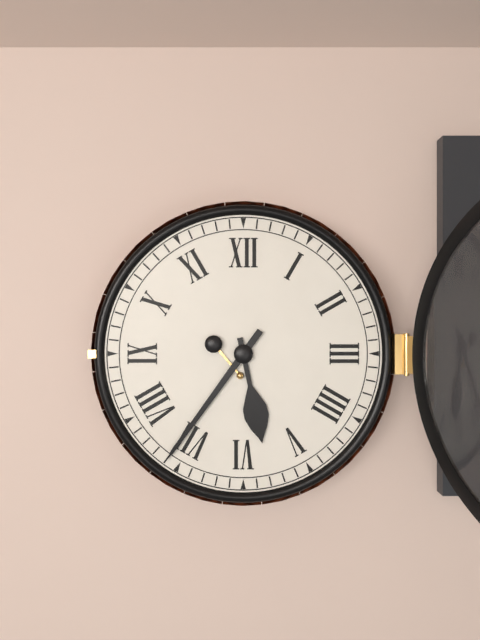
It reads 5h36
